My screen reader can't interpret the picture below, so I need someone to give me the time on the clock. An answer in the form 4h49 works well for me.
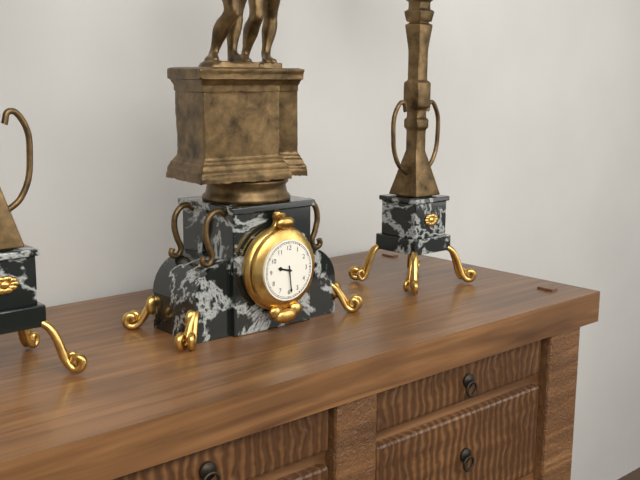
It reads 9h29
